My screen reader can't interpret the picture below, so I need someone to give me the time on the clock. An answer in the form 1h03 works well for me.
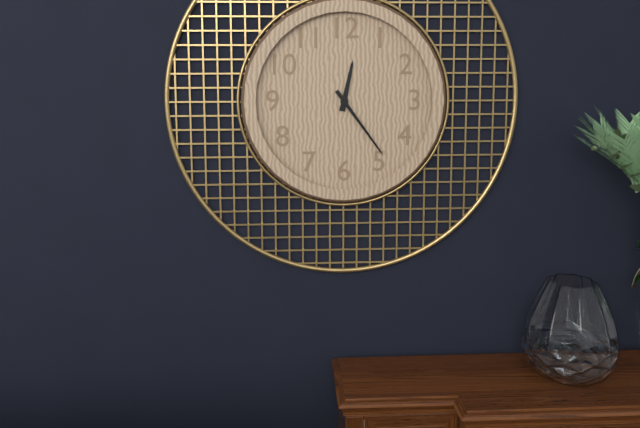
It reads 12h24
